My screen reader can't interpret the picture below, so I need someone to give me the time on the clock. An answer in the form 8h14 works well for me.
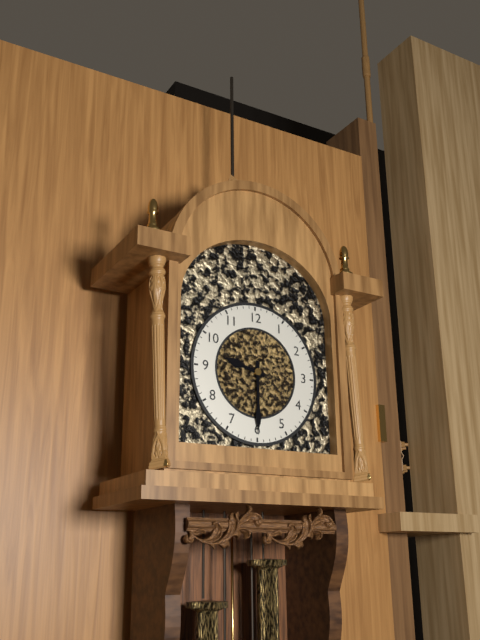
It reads 9h30
